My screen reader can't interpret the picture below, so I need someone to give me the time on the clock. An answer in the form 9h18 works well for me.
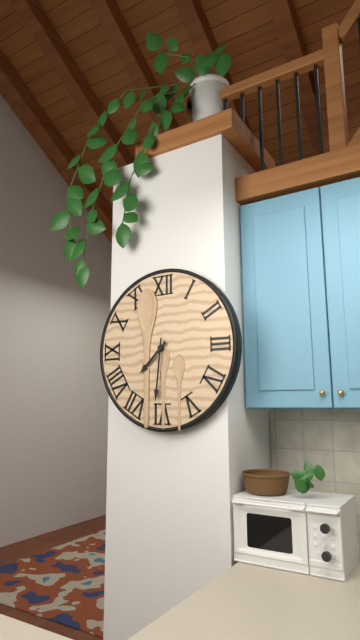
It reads 7h31
